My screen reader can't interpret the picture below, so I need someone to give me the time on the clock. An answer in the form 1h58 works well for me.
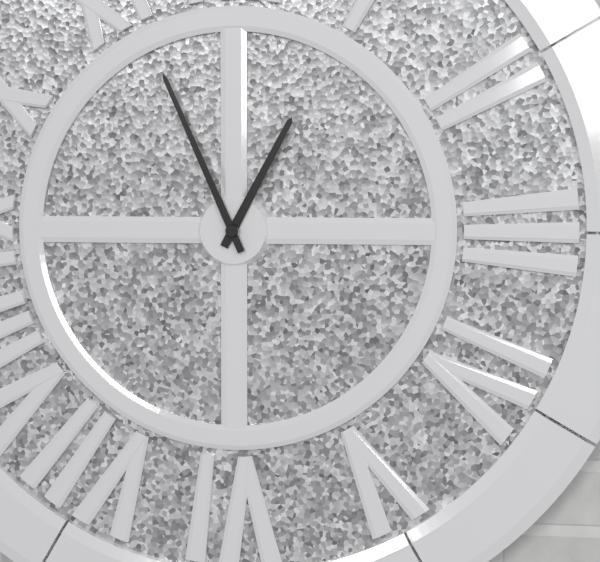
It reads 12h56
